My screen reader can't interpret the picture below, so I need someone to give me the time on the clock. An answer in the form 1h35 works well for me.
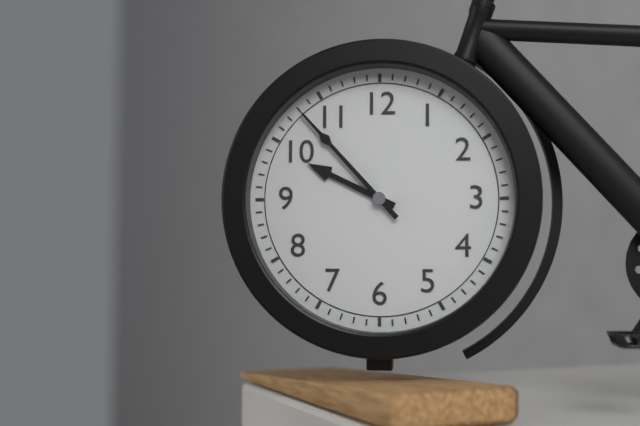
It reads 9h53
